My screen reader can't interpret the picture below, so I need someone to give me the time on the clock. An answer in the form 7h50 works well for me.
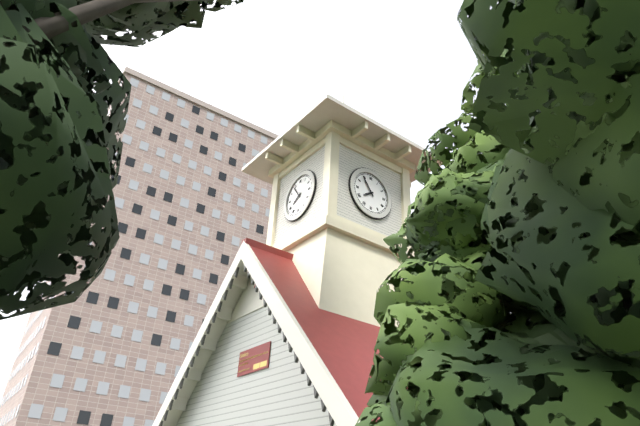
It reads 7h54
